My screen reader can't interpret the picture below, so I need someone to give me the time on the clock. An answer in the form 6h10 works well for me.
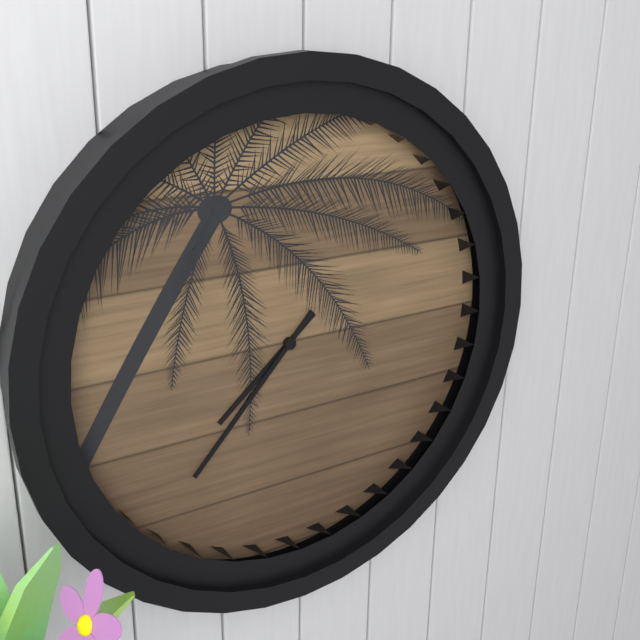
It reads 7h37
